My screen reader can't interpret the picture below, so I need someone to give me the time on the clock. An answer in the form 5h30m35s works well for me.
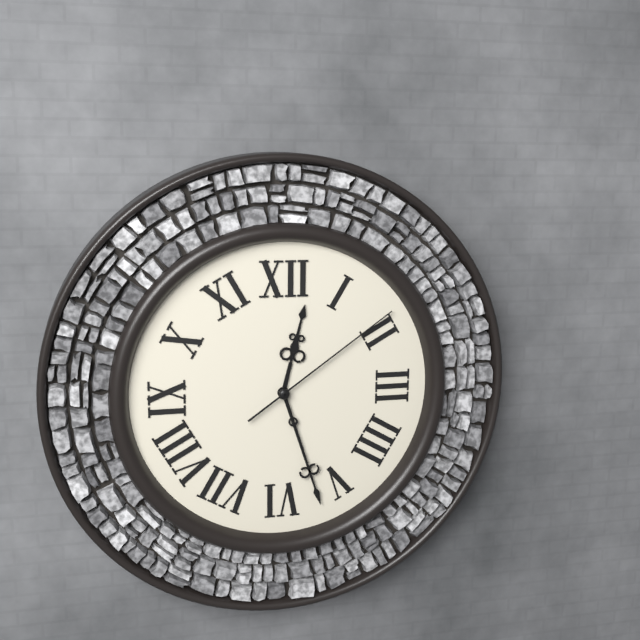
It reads 12h27m09s
